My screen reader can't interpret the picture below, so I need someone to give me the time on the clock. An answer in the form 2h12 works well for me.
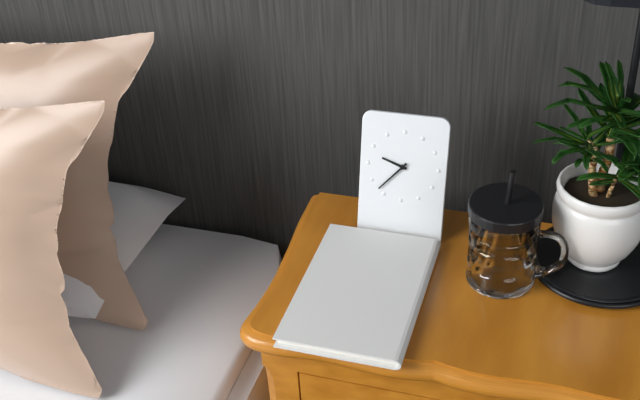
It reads 9h37
